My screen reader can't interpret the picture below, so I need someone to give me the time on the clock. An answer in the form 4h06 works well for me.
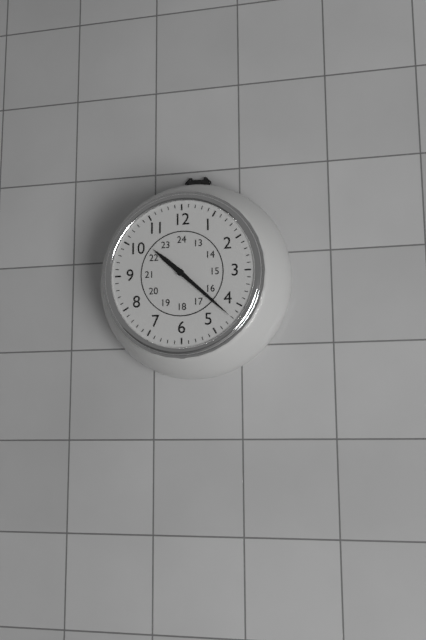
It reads 10h22
